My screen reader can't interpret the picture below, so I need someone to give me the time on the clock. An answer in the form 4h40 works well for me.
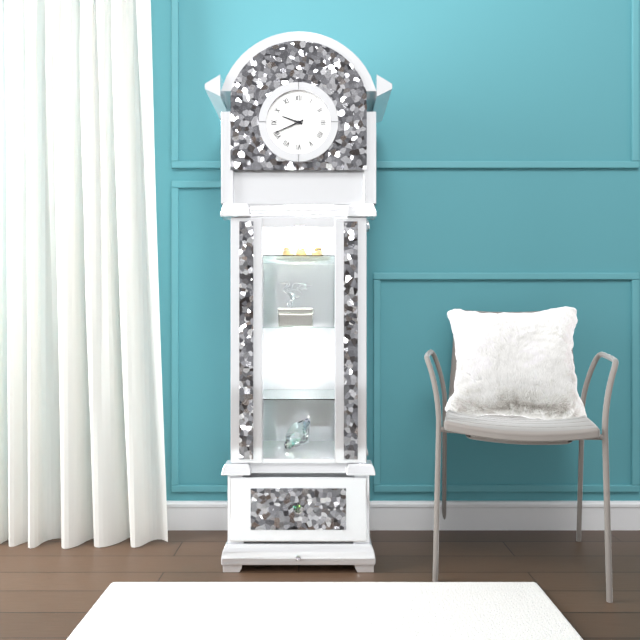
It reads 9h41
